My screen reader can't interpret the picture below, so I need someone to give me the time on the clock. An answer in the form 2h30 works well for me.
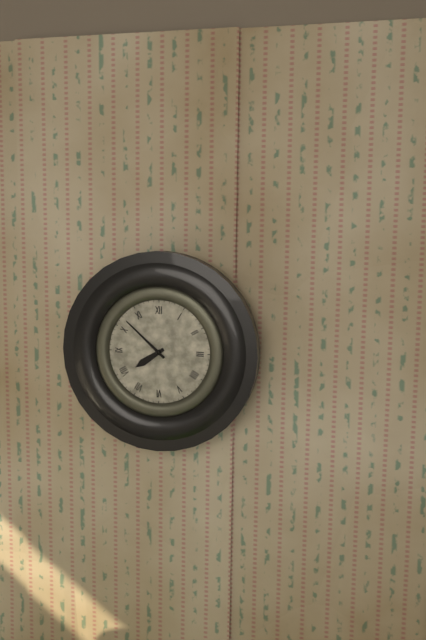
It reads 7h52
